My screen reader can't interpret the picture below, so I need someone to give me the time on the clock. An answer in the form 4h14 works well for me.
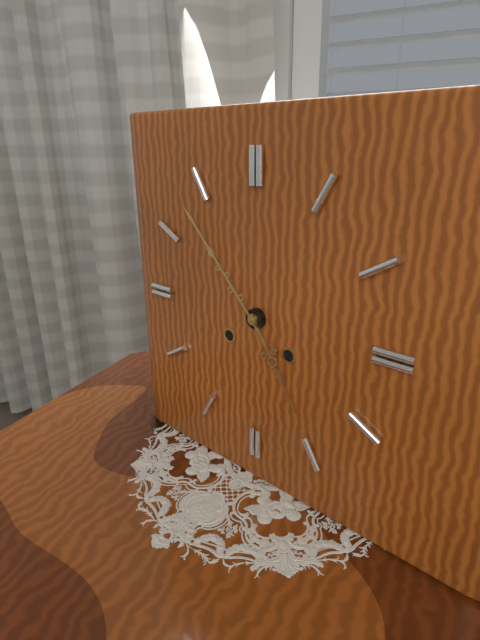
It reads 4h53
